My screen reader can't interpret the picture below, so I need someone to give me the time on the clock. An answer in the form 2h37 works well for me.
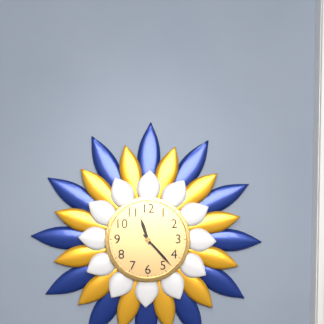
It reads 11h23
